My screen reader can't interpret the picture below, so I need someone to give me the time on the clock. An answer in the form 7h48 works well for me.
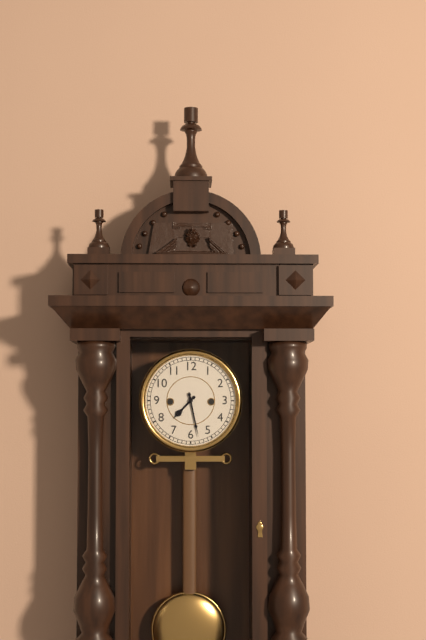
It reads 7h28
